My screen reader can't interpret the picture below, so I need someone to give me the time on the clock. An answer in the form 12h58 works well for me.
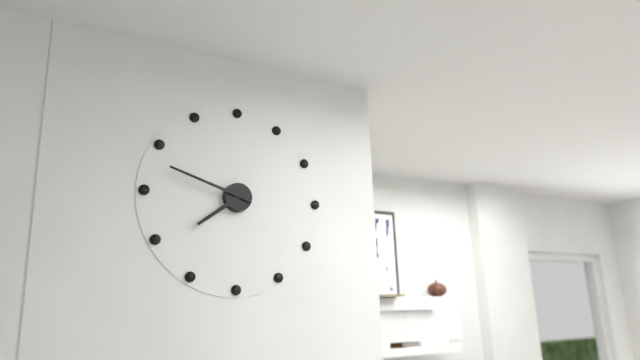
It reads 7h48
